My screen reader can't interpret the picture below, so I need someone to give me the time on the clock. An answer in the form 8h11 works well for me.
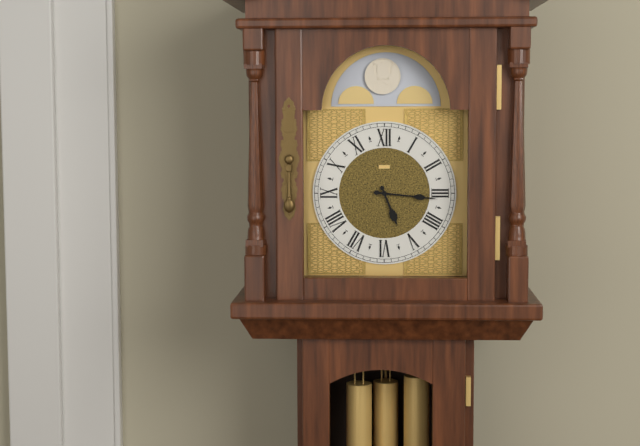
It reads 5h16
